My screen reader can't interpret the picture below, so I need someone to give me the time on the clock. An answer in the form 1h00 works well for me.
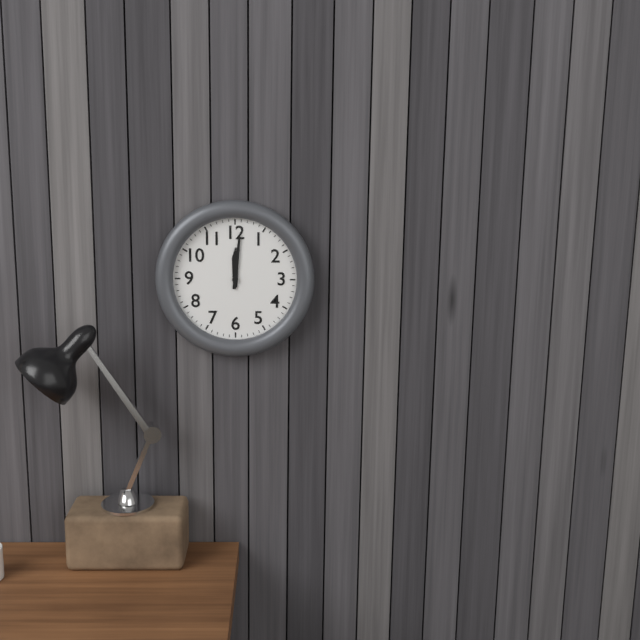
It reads 12h01
